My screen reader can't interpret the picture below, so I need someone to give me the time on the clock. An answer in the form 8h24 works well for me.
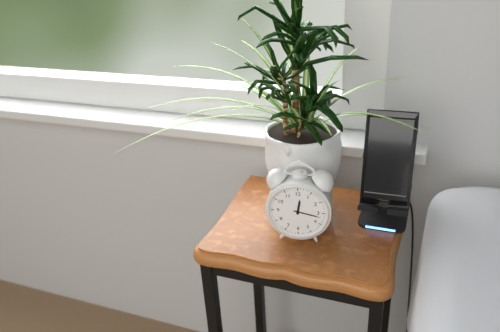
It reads 12h17
